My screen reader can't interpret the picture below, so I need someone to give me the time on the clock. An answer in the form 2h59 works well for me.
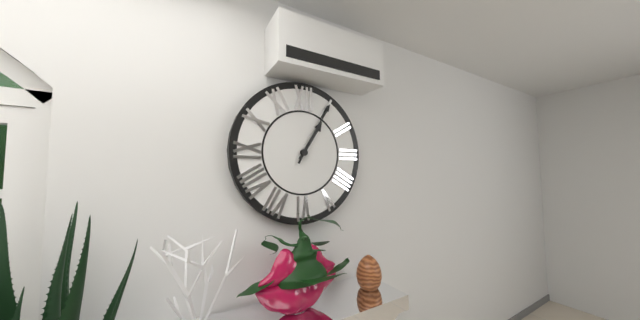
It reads 1h05
